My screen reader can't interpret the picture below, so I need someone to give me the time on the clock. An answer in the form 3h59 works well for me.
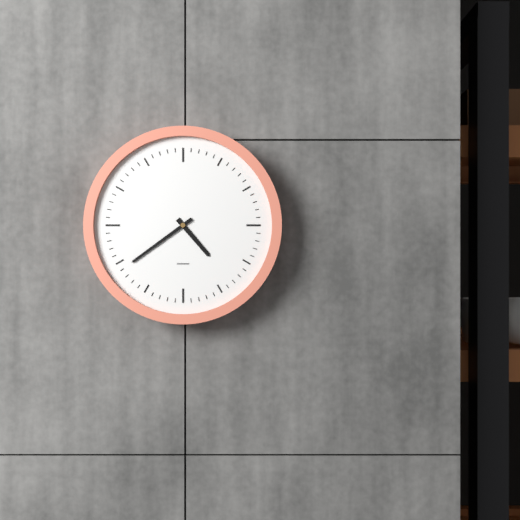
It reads 4h39
